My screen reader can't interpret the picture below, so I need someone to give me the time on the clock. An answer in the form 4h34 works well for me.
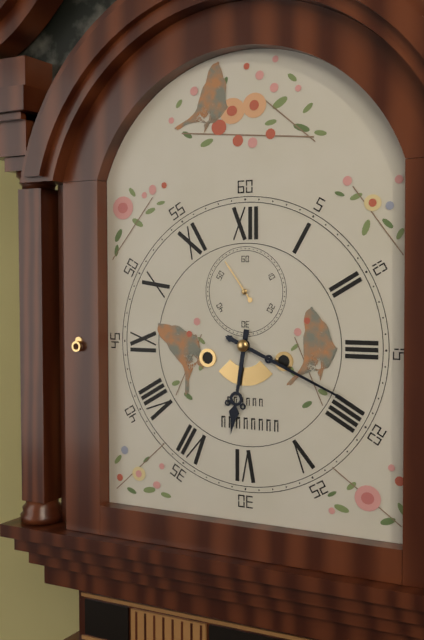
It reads 6h19
